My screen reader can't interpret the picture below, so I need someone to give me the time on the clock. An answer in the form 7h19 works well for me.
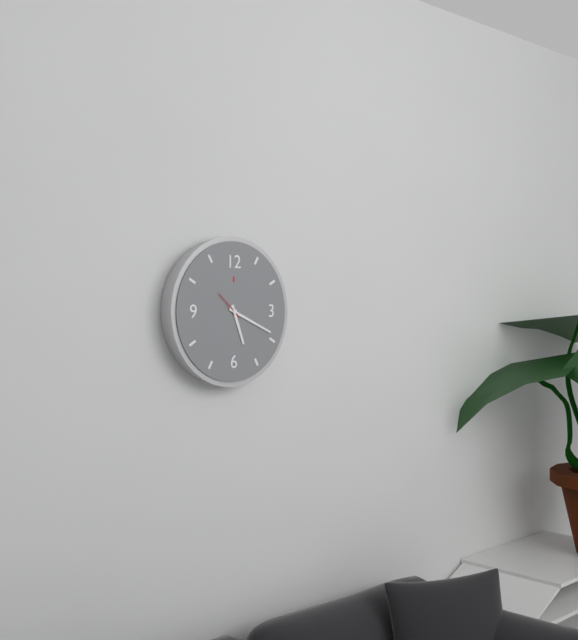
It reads 5h19
